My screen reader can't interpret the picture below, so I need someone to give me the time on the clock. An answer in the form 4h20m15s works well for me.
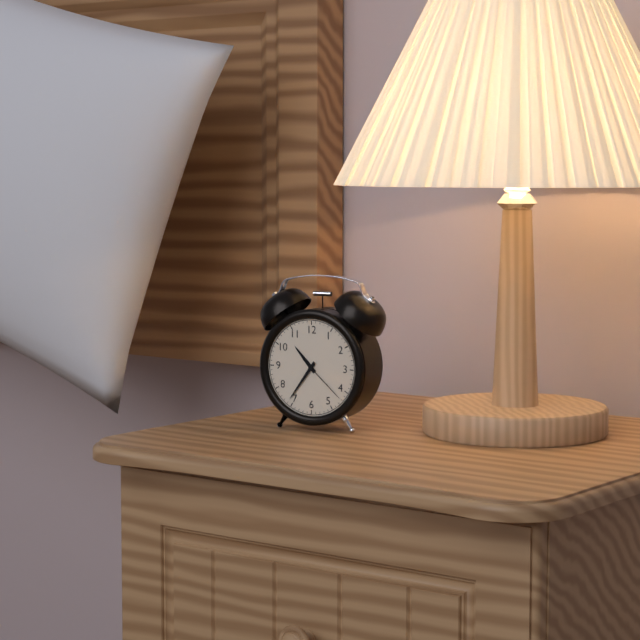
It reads 10h36m22s
